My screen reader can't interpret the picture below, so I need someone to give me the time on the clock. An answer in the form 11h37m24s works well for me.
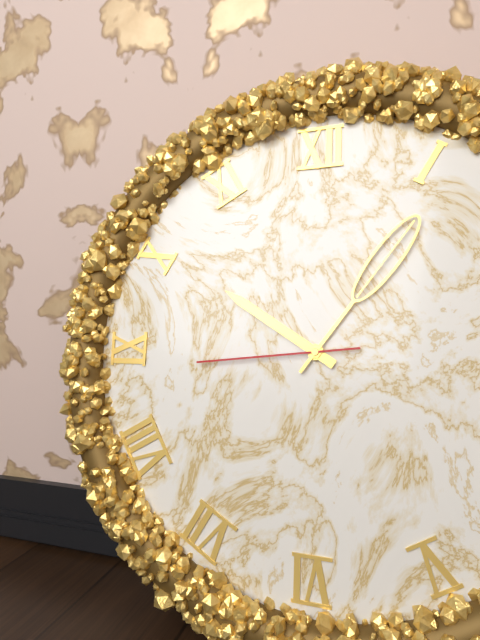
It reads 10h06m44s
